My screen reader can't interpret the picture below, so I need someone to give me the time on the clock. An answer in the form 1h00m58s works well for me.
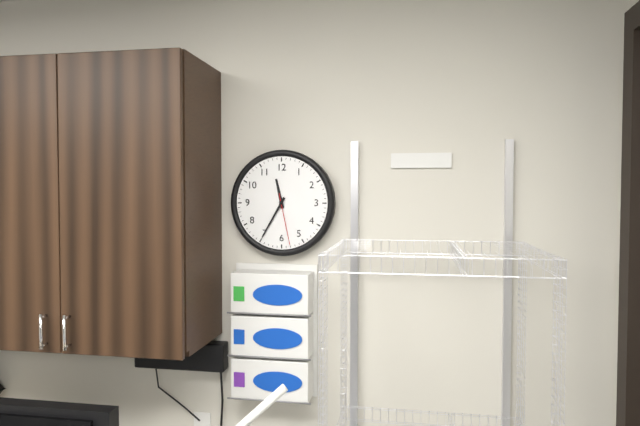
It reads 11h35m28s
